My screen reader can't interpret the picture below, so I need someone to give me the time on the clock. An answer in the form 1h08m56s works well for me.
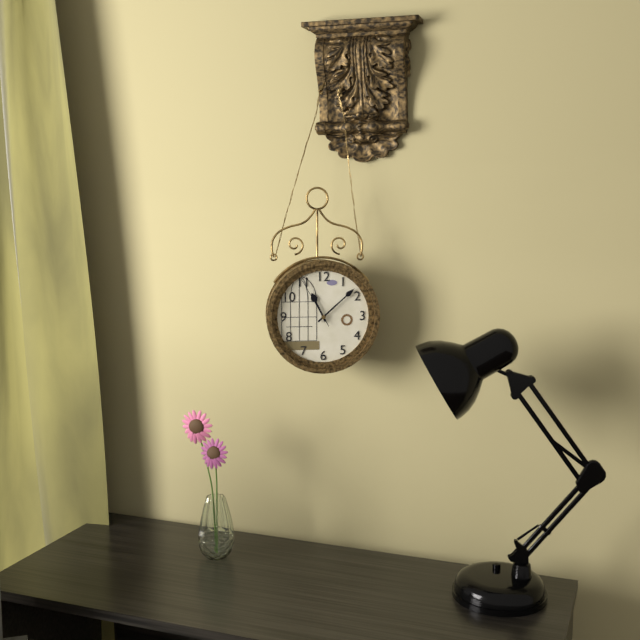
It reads 11h08m55s
